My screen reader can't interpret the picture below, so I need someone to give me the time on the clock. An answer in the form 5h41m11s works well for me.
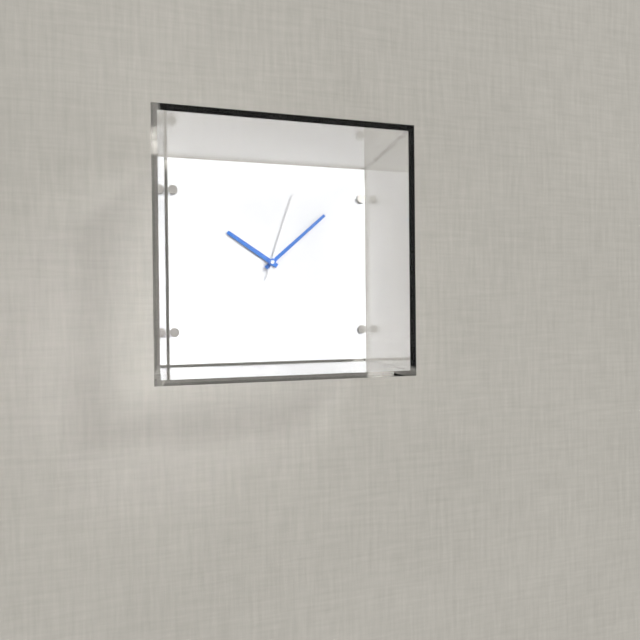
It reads 10h08m03s
